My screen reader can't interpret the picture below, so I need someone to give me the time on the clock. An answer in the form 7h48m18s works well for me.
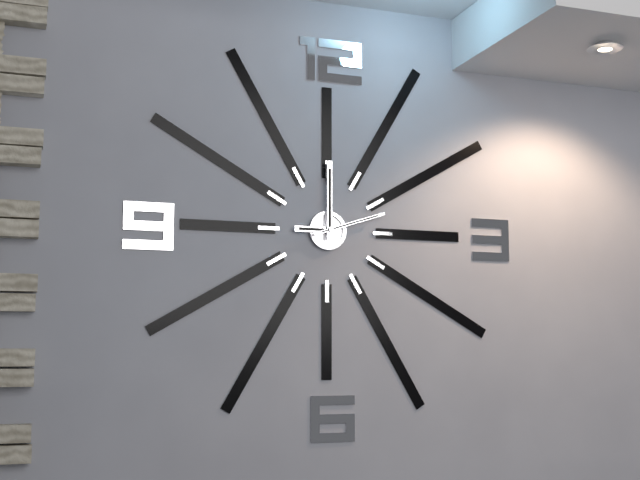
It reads 9h00m12s
